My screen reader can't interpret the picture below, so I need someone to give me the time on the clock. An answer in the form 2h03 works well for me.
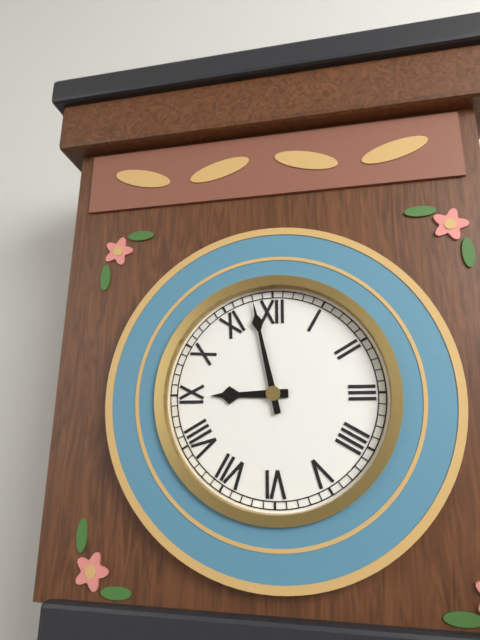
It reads 8h58
